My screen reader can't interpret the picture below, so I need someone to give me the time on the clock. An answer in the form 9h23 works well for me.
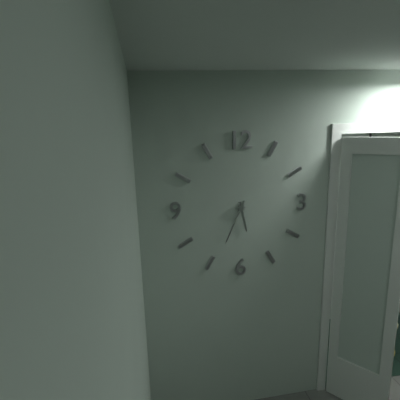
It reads 5h34
